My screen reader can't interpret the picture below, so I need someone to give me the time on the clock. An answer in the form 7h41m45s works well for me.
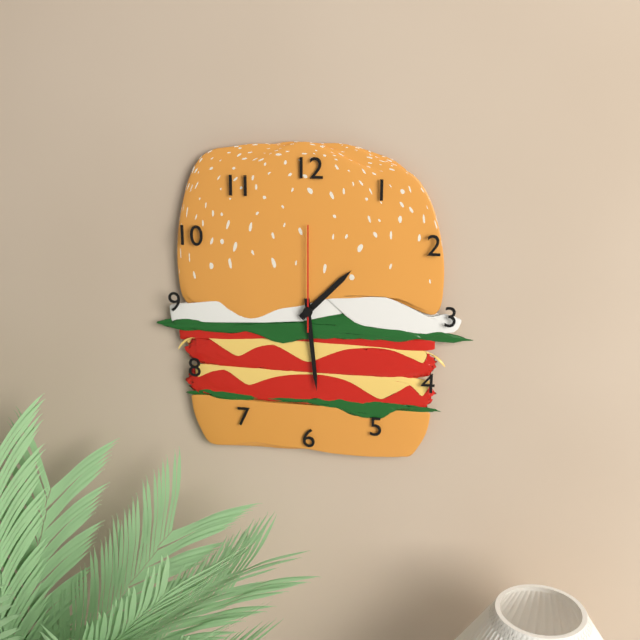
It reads 1h29m00s
